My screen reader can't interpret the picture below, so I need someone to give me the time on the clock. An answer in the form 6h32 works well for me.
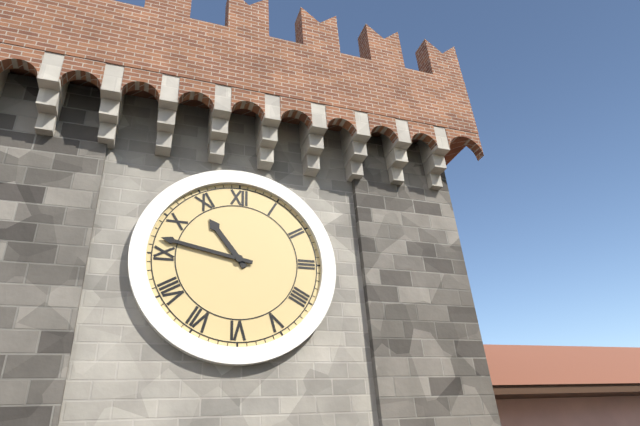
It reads 10h47
